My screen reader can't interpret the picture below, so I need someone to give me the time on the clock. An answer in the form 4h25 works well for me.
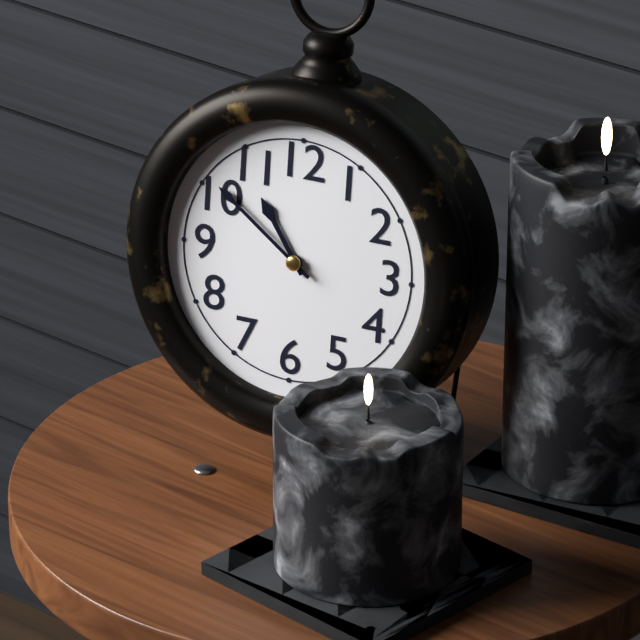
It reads 10h51
